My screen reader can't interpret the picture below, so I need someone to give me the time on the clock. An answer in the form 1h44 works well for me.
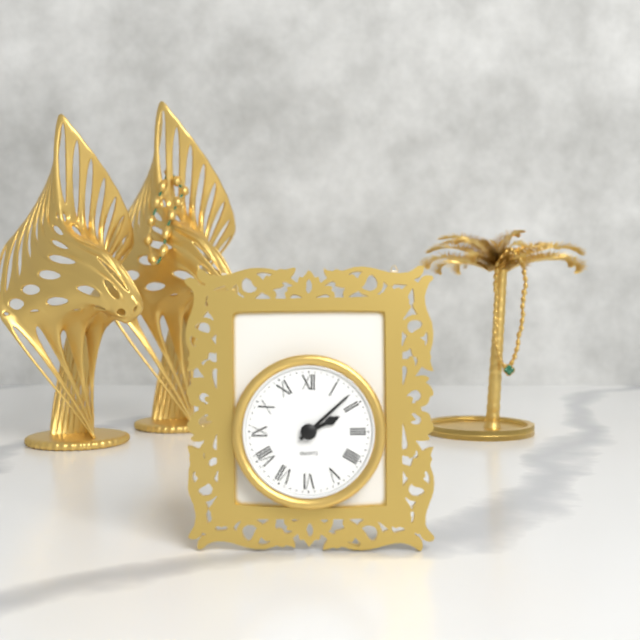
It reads 2h08
